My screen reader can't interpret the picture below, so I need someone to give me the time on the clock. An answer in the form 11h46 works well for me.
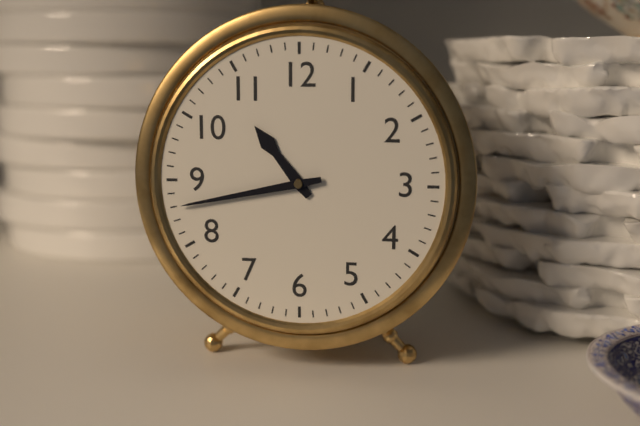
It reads 10h43
